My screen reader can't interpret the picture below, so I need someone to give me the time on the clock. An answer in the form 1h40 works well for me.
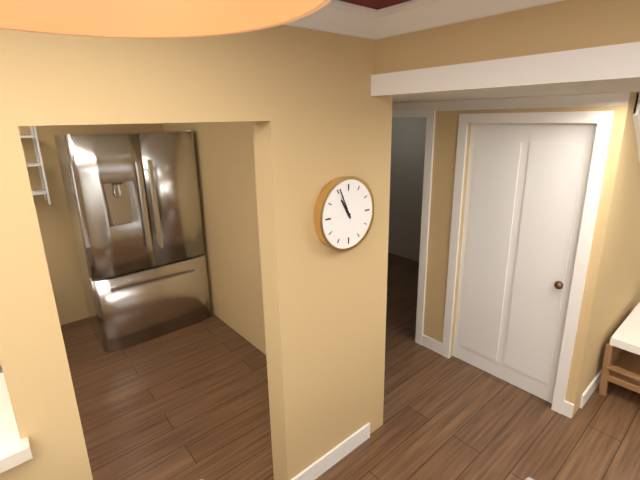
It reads 10h56
